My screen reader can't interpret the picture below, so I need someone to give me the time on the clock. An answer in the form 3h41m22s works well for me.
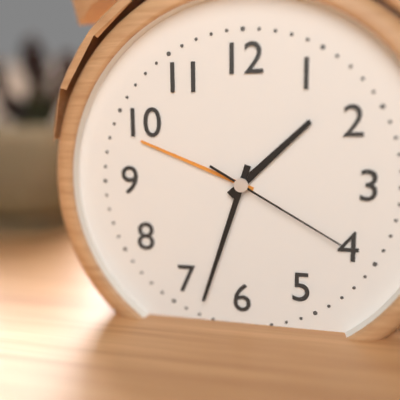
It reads 1h33m20s
